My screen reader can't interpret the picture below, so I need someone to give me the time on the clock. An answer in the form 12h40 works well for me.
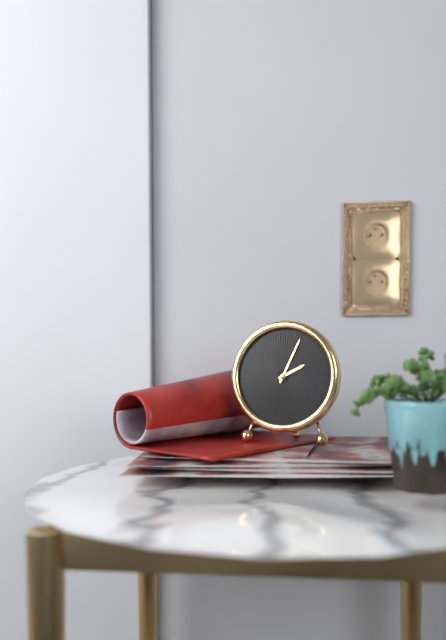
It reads 2h04
